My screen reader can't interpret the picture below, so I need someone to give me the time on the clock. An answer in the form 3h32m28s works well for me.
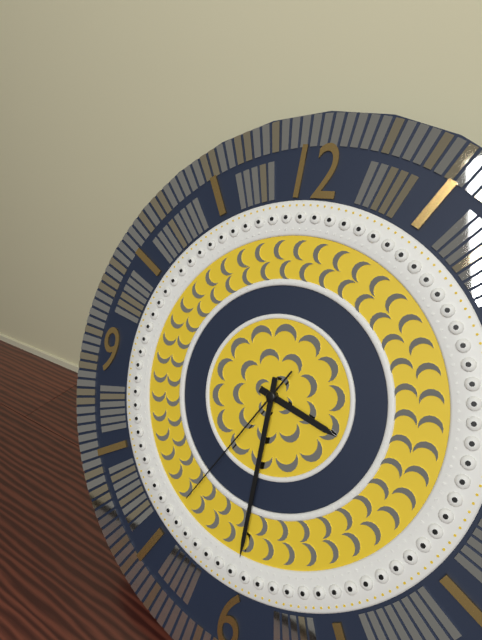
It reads 3h30m35s
